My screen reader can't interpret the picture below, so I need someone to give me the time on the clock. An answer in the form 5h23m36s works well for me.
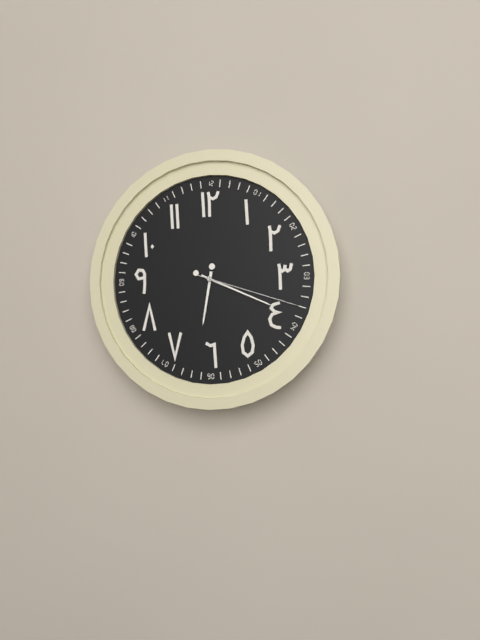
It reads 6h19m18s
